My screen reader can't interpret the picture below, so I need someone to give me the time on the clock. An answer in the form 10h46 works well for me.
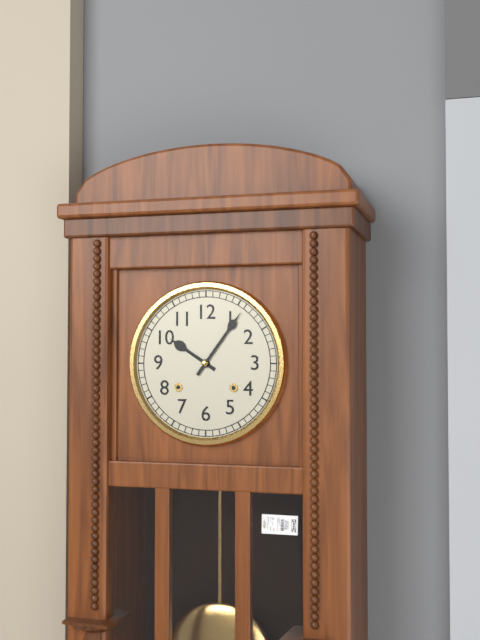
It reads 10h06
